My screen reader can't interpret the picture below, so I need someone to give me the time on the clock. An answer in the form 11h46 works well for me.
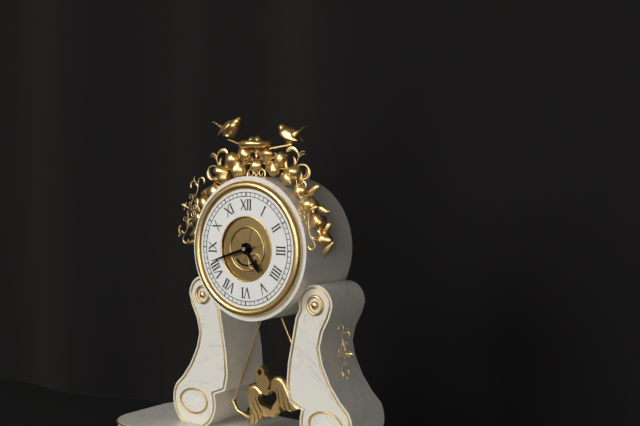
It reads 4h42
